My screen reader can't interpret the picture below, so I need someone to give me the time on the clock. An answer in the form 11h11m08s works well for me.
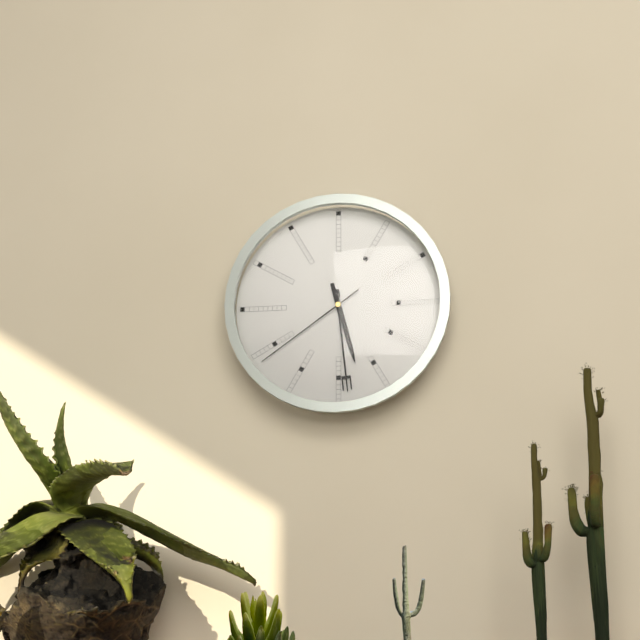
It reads 5h29m39s
